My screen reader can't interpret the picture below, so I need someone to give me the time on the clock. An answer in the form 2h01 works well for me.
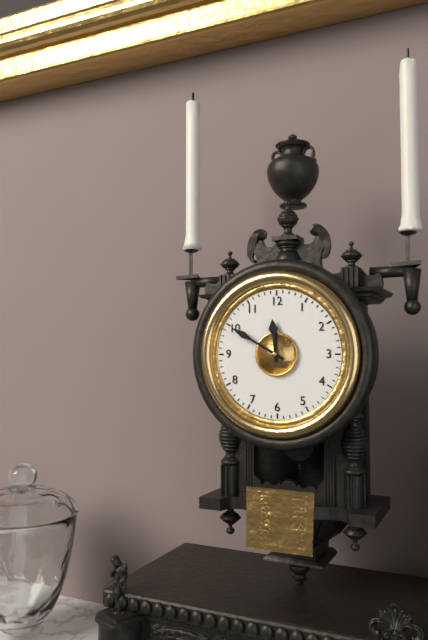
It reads 11h50
